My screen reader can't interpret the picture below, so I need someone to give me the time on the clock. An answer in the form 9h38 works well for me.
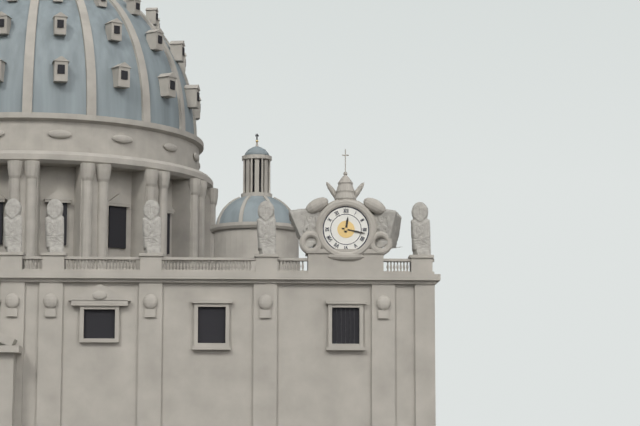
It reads 12h17
